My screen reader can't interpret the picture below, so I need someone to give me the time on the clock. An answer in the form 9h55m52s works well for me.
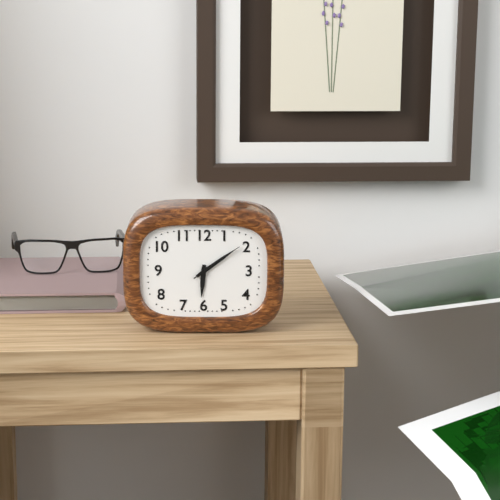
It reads 6h09m09s
